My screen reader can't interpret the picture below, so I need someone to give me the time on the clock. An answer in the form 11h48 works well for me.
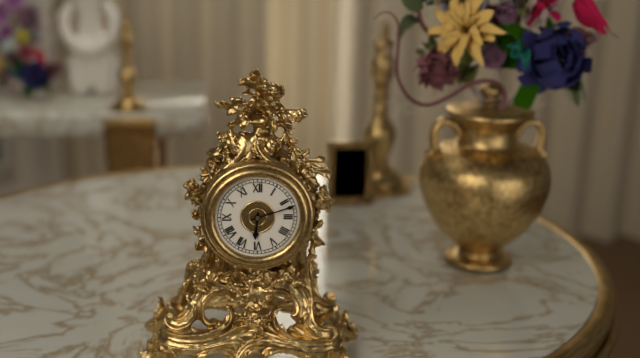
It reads 6h12
